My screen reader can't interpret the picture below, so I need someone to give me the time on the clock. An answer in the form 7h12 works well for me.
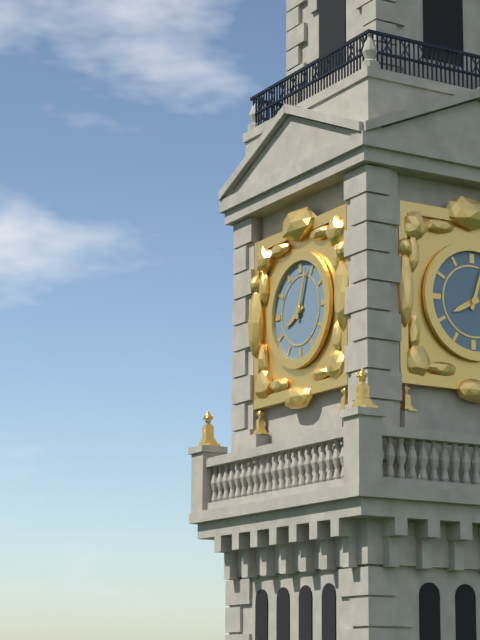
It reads 8h03
